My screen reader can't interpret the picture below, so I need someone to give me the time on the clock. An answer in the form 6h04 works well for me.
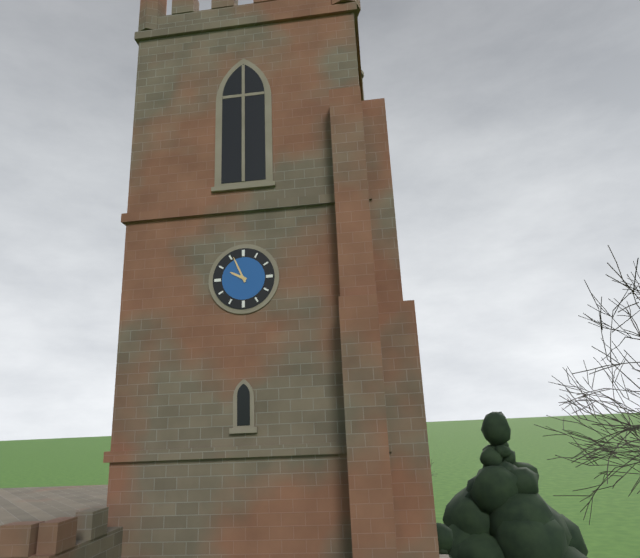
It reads 9h56
